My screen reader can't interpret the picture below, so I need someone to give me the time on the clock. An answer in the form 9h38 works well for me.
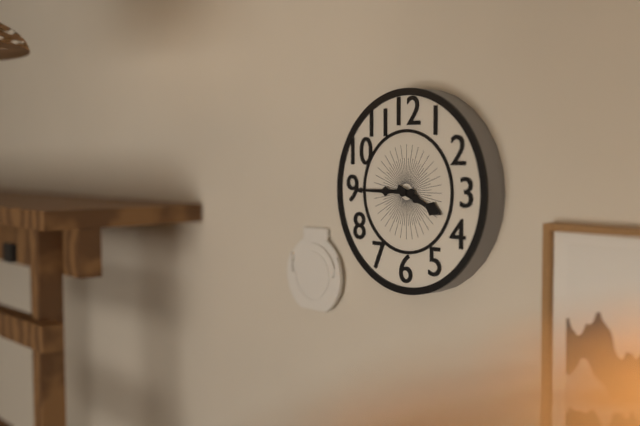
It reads 3h45
